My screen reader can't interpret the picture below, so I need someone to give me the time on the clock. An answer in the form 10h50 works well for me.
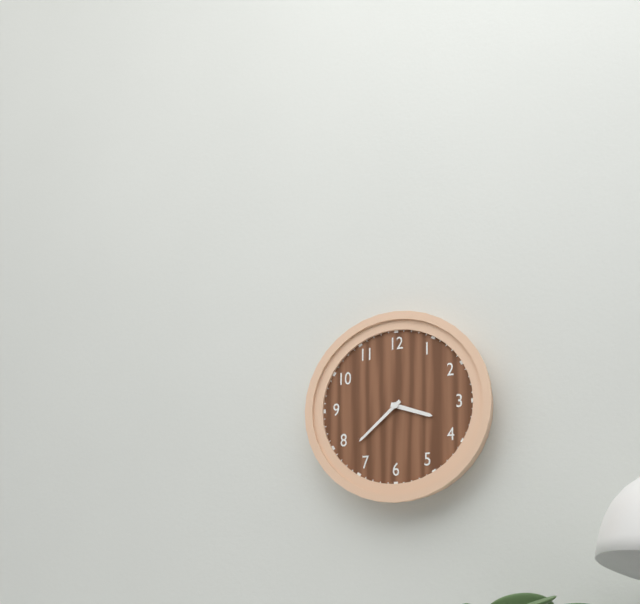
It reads 3h38
